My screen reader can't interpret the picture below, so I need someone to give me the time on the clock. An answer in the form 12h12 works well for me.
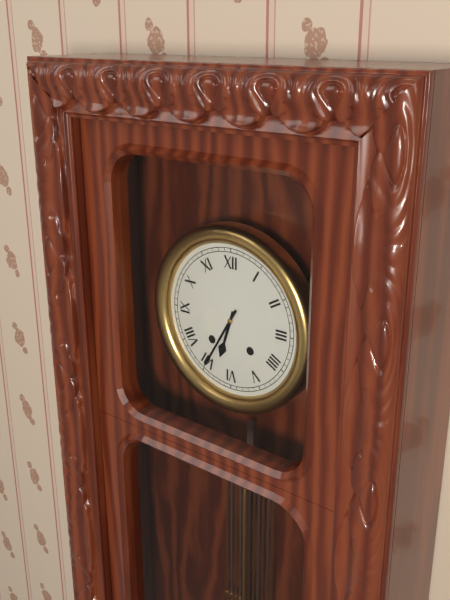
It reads 6h35
